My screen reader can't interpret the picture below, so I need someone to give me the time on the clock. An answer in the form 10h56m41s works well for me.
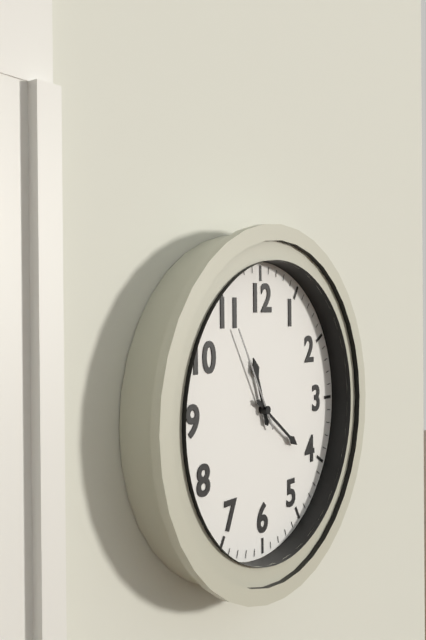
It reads 11h21m55s
